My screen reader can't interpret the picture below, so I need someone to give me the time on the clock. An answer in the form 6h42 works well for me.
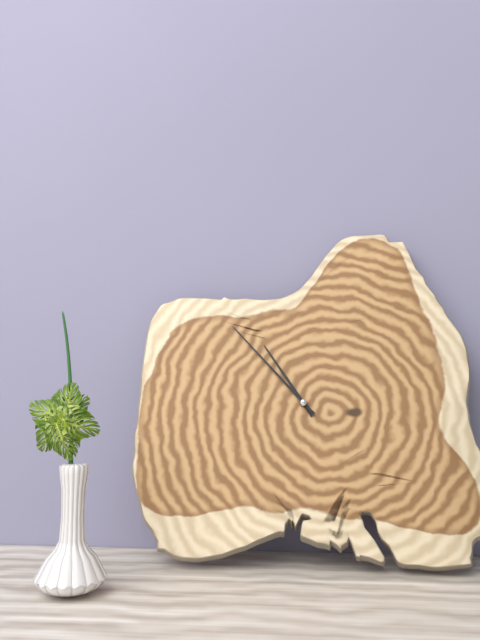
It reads 10h53
